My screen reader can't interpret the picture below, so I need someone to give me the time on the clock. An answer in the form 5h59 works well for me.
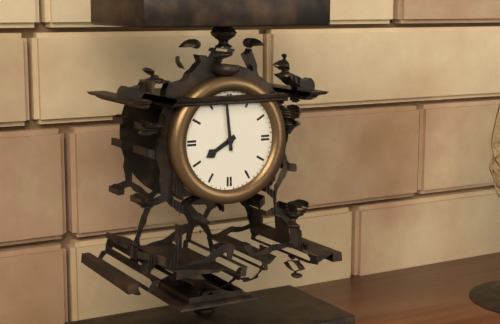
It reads 7h59
